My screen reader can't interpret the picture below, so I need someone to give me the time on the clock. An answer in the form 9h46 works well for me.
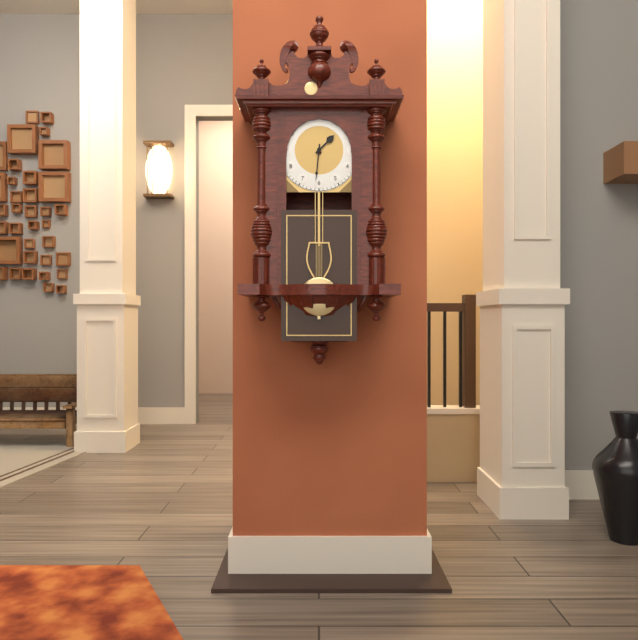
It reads 1h31
